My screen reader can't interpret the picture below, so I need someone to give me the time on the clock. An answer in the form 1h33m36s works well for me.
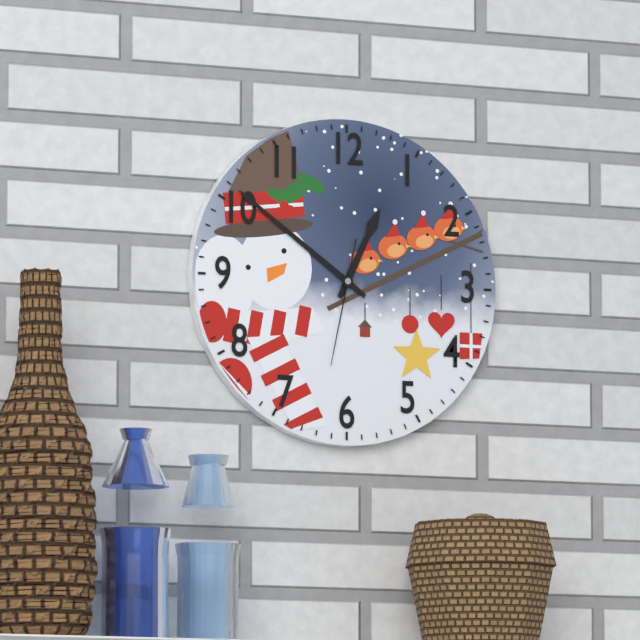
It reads 12h51m32s
